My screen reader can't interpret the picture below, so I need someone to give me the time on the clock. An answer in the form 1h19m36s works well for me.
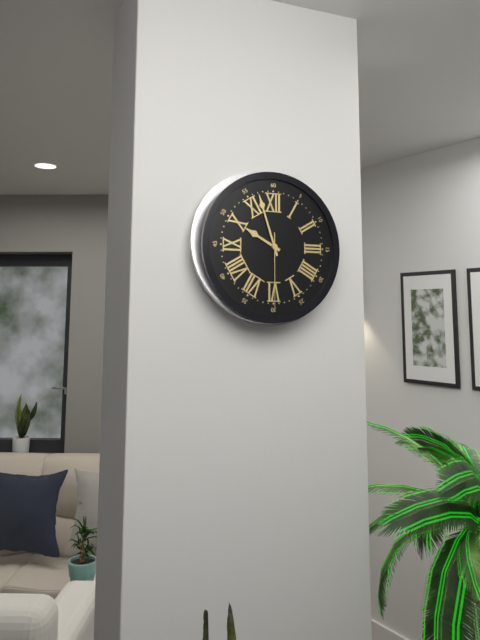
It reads 9h57m30s
